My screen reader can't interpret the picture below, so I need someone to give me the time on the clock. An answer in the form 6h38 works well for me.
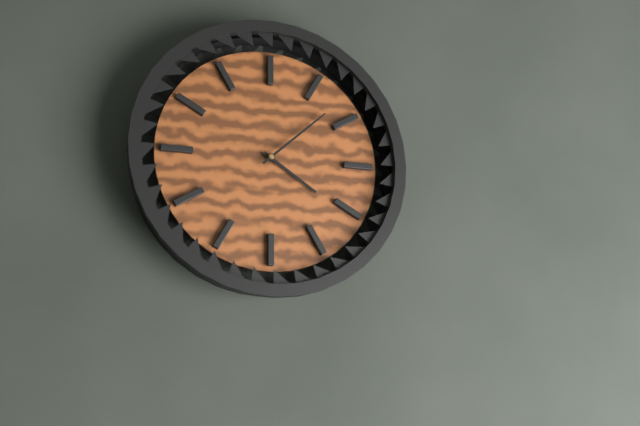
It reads 4h08
